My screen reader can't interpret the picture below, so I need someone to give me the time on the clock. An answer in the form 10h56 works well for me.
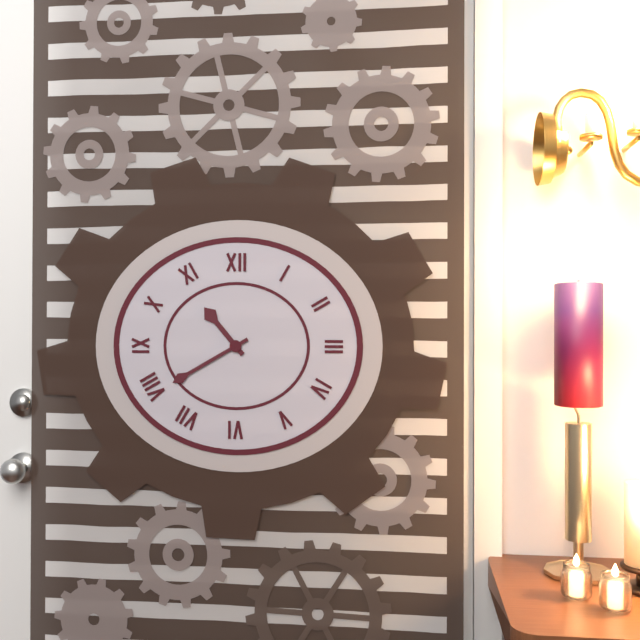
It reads 10h40
